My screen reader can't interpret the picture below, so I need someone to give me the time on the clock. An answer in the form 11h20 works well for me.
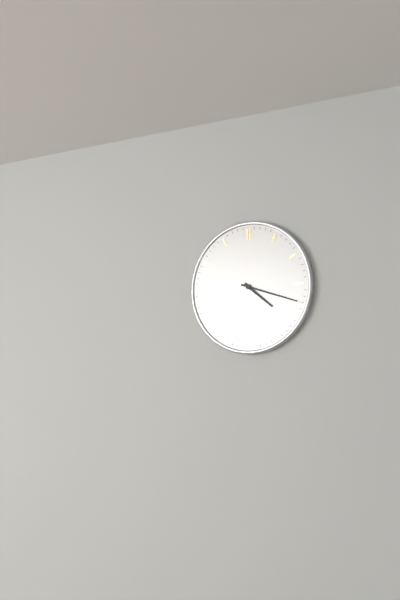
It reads 4h18
